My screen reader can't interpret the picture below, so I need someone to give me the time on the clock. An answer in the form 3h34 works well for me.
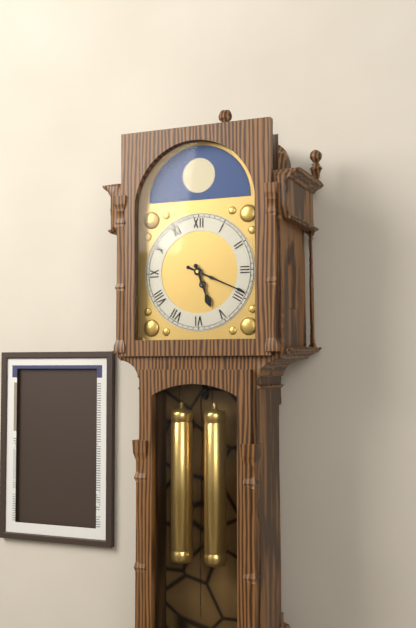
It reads 5h19
